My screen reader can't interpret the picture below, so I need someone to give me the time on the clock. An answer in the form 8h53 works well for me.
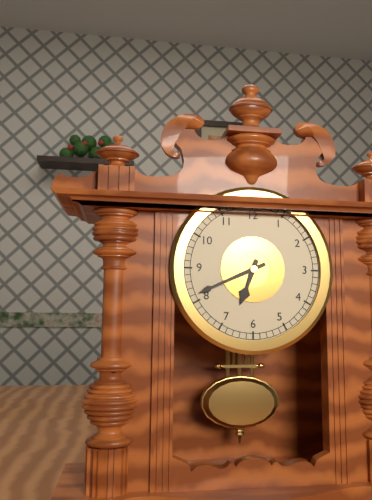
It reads 6h41
